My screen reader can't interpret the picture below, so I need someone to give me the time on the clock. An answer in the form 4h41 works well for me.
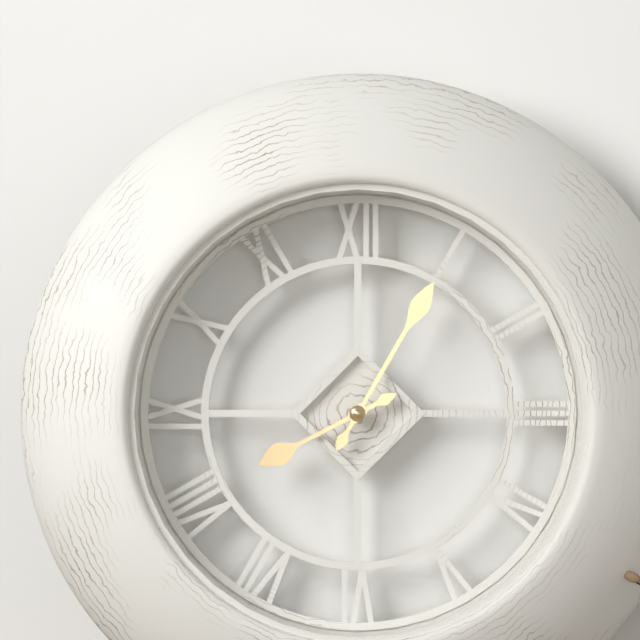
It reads 8h05
